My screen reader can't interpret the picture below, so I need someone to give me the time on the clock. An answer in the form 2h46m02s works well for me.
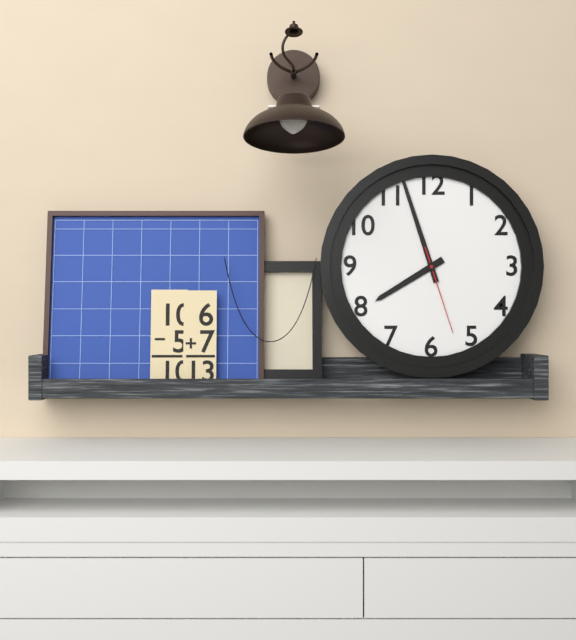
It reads 7h57m27s
